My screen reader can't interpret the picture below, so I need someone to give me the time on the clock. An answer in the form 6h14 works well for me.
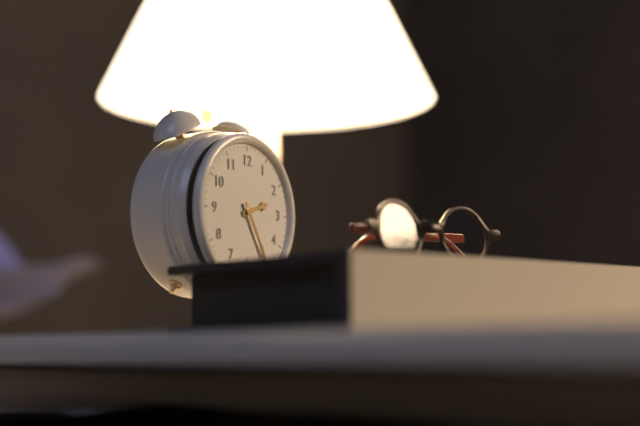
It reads 2h25
